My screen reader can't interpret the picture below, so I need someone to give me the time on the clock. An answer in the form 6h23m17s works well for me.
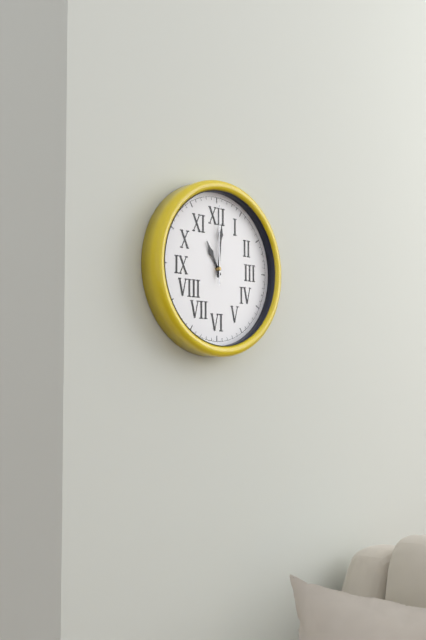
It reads 11h01m00s
